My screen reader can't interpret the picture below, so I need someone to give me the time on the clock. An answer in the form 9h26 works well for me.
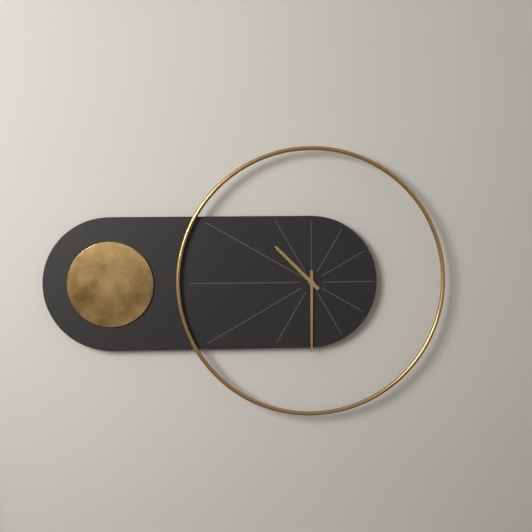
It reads 10h30
